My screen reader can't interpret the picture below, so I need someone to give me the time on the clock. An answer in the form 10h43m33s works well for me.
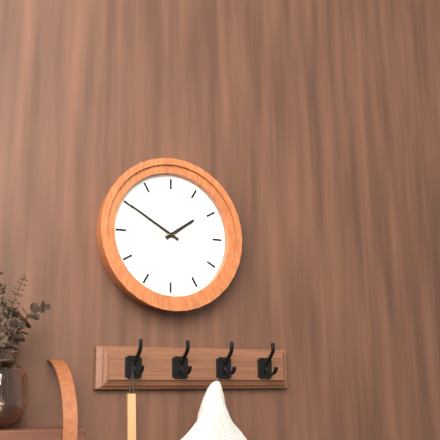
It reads 1h50m14s
